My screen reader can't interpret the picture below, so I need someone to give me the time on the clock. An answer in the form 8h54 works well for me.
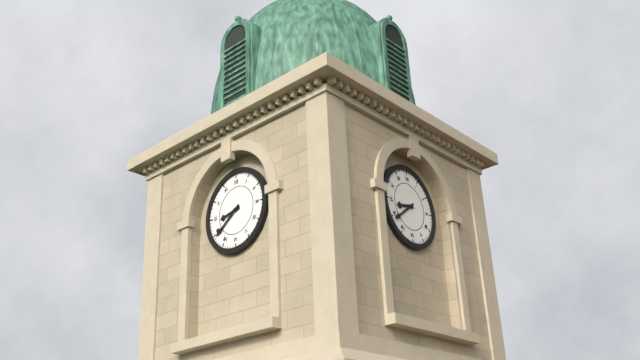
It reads 8h39
